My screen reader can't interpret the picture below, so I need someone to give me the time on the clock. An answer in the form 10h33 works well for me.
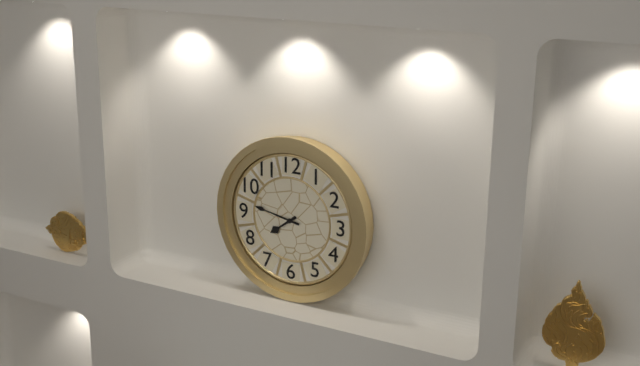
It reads 7h47
